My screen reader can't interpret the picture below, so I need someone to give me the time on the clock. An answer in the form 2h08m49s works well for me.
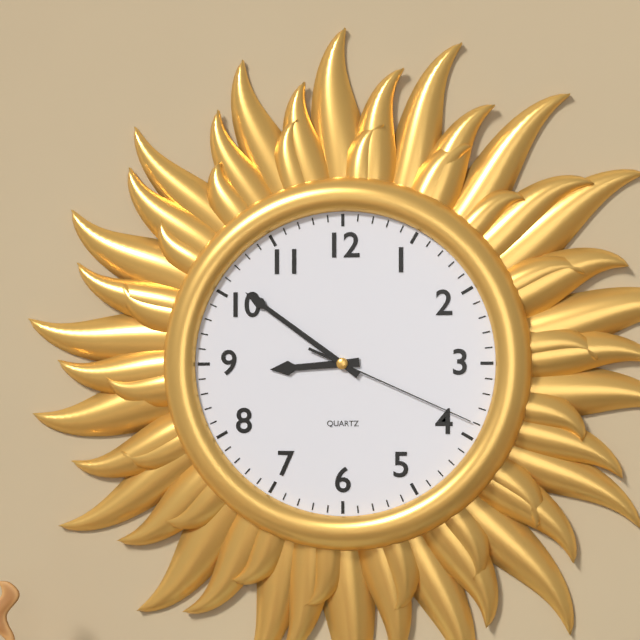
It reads 8h51m19s
